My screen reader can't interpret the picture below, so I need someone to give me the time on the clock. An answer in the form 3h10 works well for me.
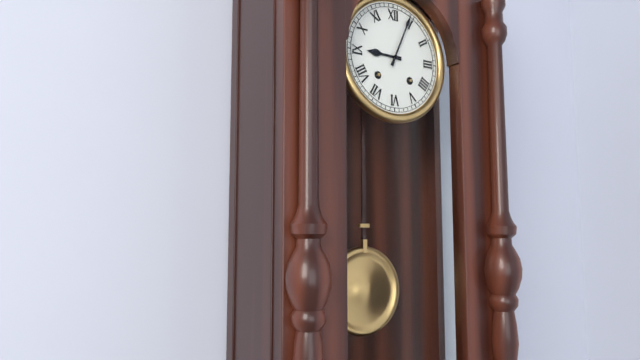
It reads 9h04
